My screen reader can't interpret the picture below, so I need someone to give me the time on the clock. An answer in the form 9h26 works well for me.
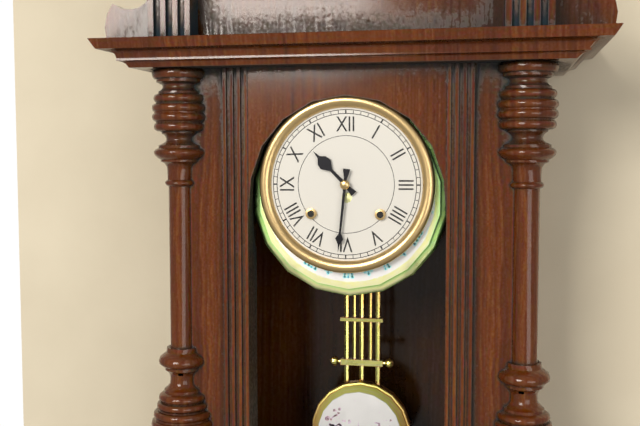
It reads 10h31
